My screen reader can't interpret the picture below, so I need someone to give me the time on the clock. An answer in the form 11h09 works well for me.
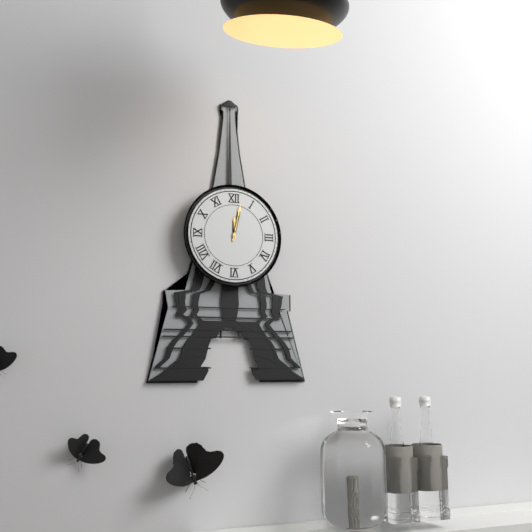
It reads 12h02
